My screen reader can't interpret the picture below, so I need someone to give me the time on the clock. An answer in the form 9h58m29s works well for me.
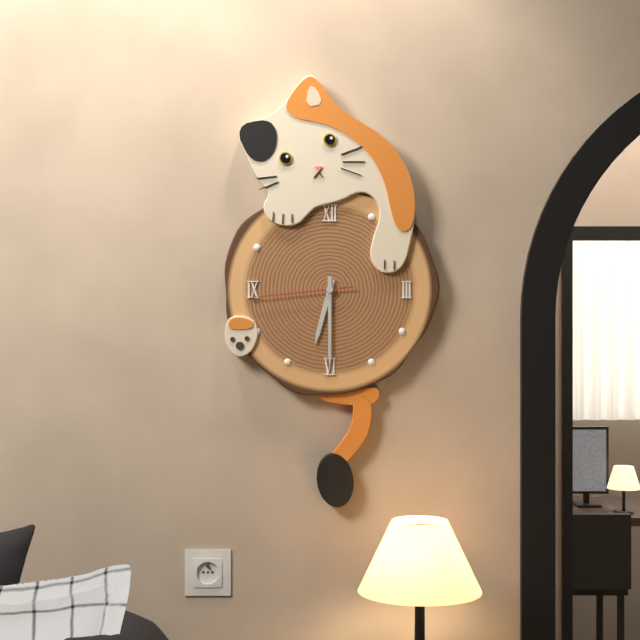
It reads 6h30m44s
